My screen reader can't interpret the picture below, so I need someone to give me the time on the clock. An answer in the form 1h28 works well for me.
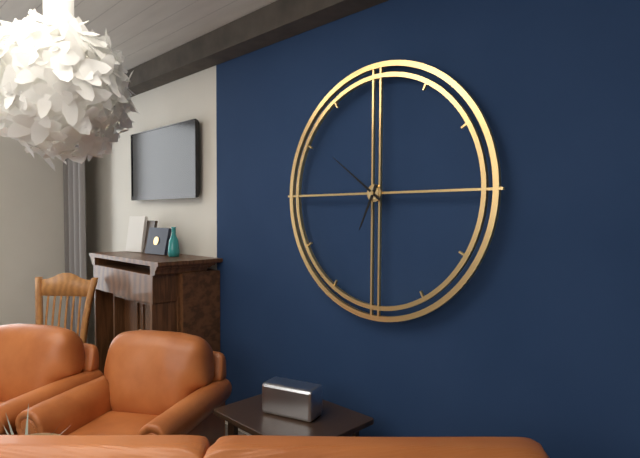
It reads 6h51
